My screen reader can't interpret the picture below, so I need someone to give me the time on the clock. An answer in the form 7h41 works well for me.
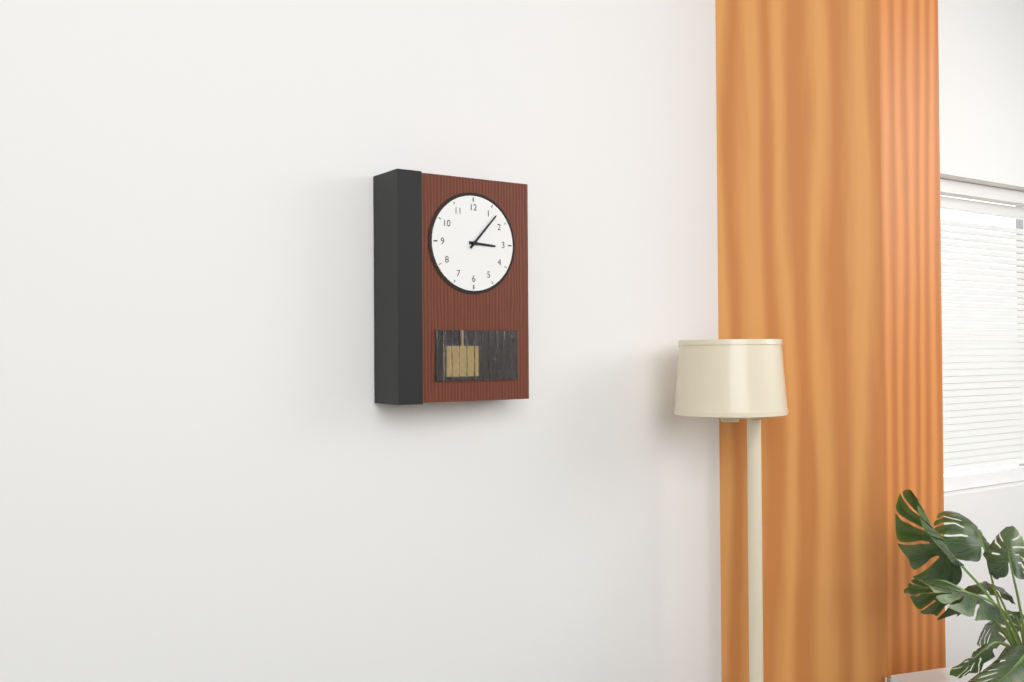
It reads 3h07
